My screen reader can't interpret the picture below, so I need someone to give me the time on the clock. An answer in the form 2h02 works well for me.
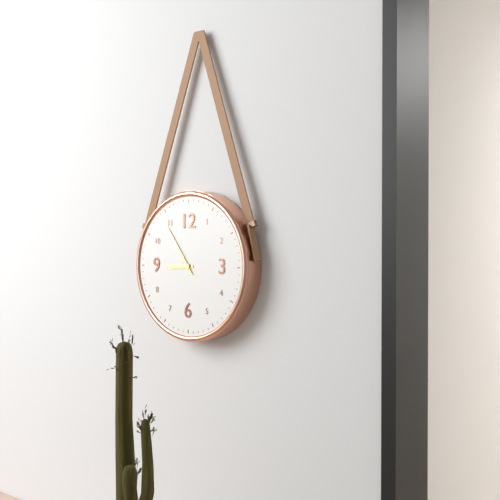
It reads 8h54
